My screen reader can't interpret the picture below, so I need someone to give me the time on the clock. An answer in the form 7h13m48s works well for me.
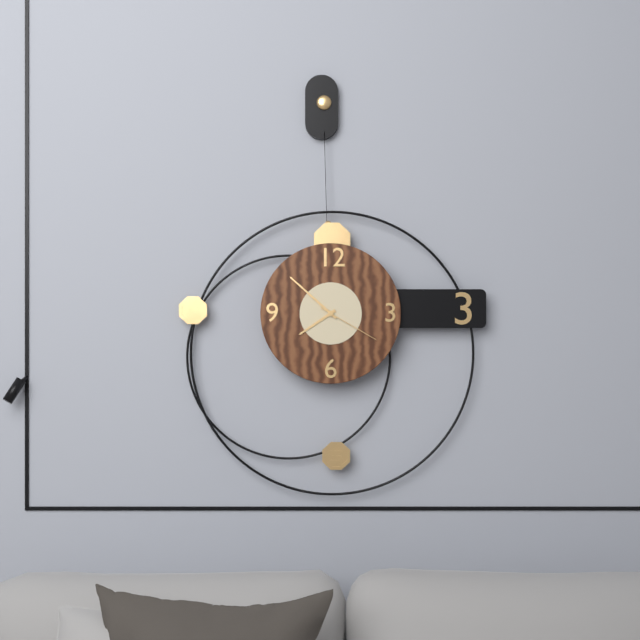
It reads 7h52m20s
